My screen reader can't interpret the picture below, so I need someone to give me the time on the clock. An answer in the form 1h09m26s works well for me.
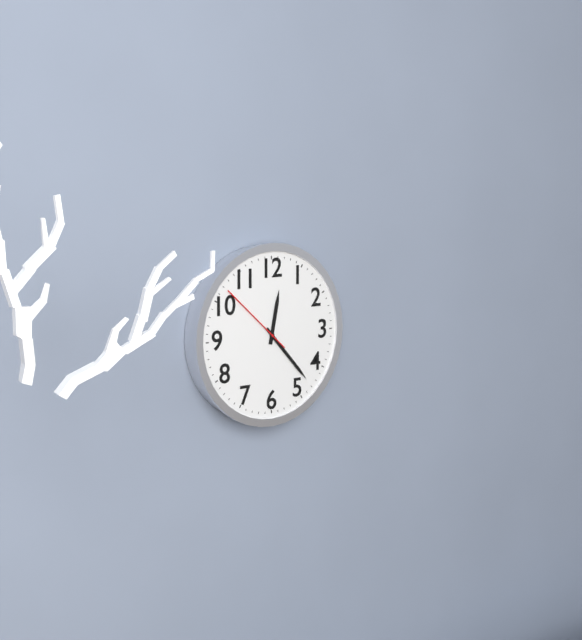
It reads 12h23m52s
